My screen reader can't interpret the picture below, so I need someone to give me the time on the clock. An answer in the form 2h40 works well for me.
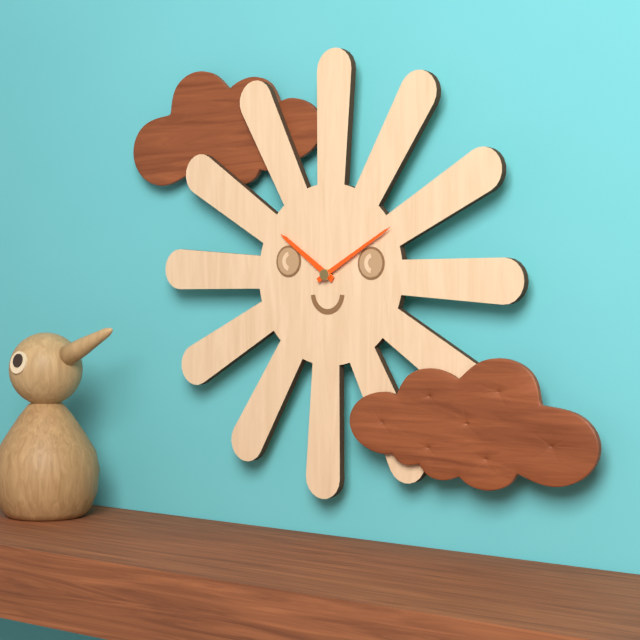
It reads 10h10
